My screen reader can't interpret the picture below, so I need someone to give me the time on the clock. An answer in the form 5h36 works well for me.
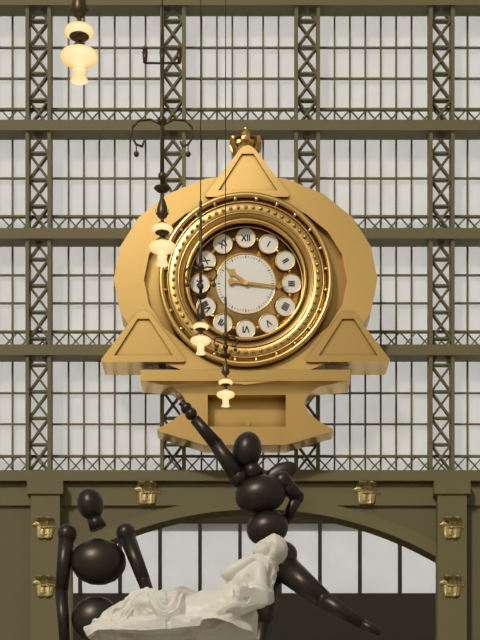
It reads 10h16
